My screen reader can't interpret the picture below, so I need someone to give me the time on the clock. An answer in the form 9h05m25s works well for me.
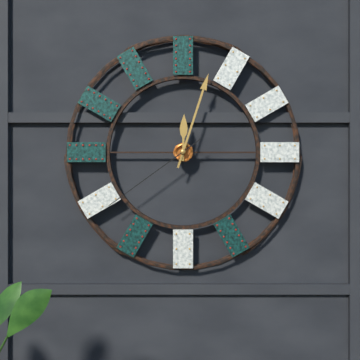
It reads 12h03m39s
